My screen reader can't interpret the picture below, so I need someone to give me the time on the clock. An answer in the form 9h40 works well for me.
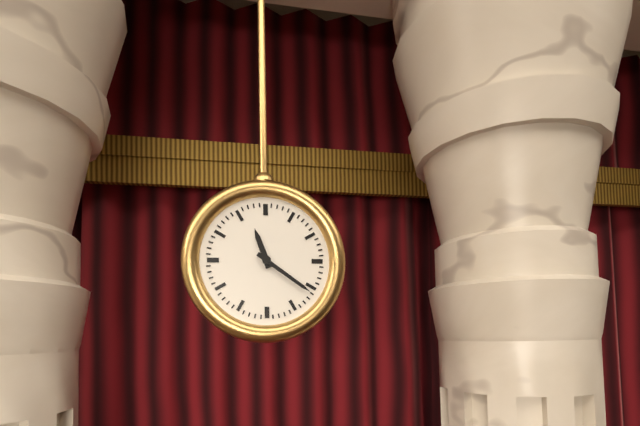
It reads 11h21
